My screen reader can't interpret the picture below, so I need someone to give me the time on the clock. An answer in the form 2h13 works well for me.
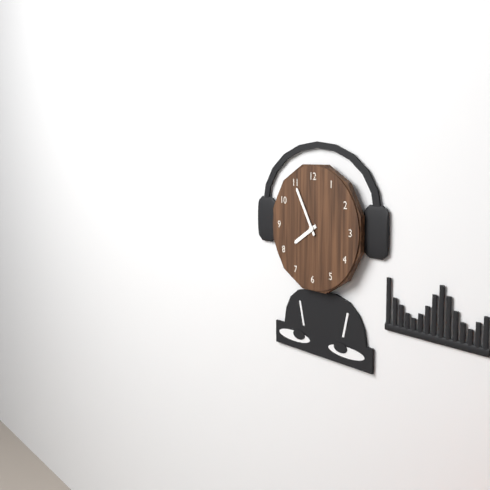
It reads 7h55
